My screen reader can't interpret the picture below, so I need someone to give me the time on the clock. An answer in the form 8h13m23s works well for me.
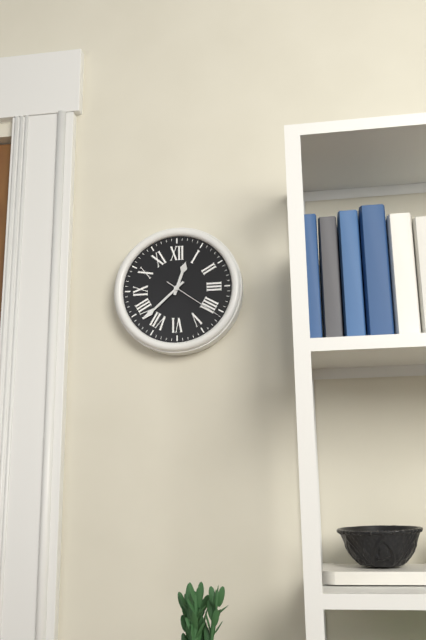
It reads 12h38m21s
